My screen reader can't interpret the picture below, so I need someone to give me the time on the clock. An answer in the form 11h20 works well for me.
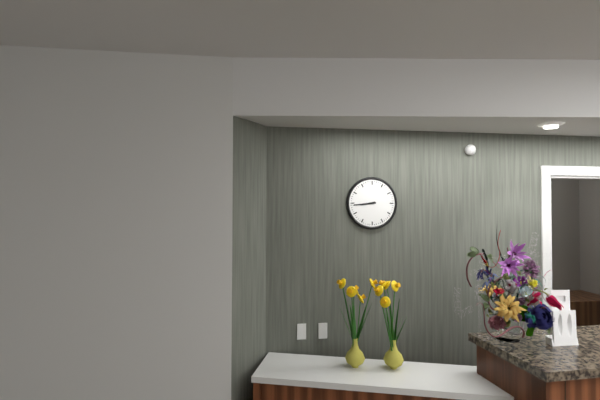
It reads 8h44
